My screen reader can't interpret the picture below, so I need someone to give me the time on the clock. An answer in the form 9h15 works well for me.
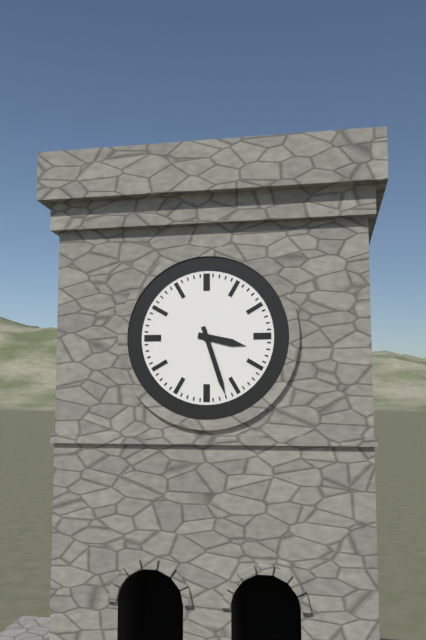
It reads 3h27
